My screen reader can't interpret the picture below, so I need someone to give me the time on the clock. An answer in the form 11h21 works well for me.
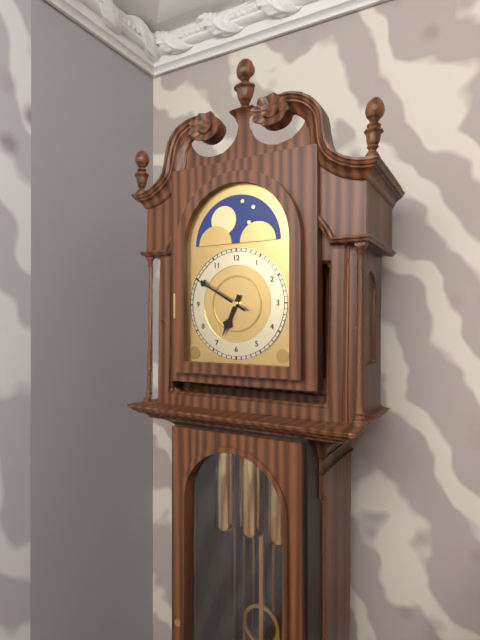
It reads 6h50
